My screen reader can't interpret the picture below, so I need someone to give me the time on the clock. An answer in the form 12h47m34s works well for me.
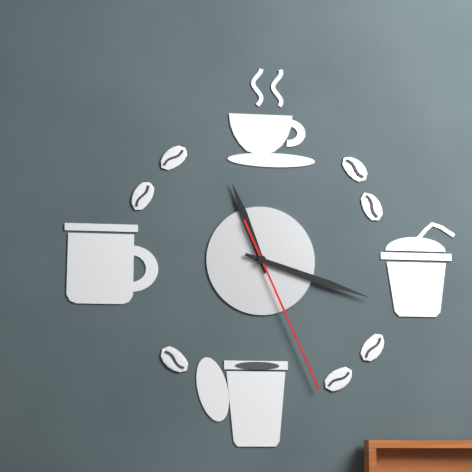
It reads 11h18m26s
